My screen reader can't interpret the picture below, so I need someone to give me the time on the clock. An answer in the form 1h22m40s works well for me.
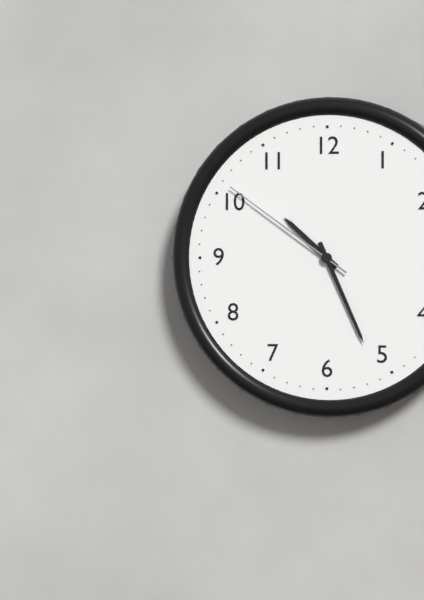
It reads 10h26m51s
